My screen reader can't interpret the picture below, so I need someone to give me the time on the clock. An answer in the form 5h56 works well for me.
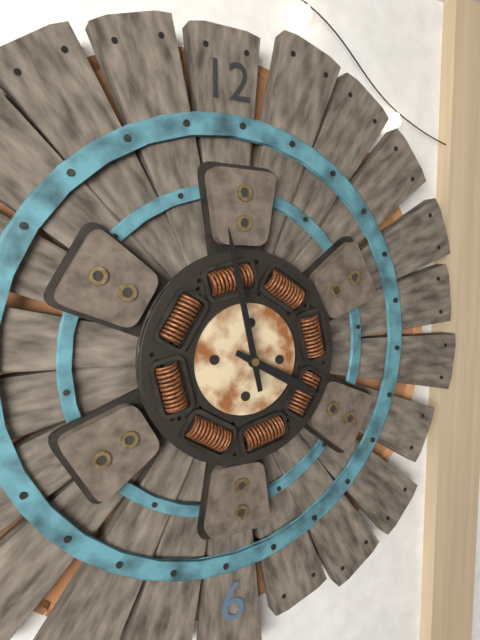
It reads 3h58
